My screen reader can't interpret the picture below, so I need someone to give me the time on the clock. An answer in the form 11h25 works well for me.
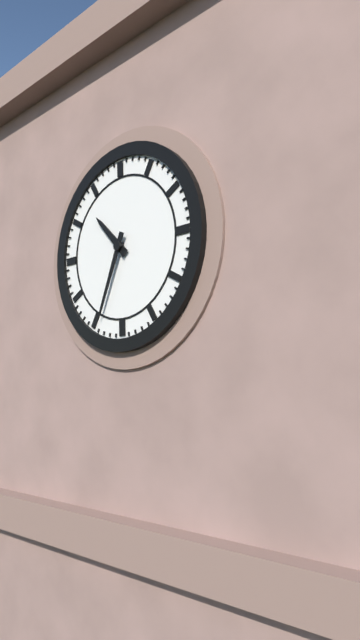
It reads 10h34
